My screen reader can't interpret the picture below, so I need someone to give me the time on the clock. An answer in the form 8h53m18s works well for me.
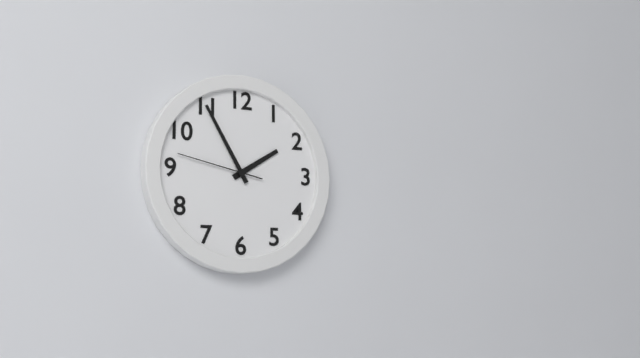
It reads 1h55m47s
